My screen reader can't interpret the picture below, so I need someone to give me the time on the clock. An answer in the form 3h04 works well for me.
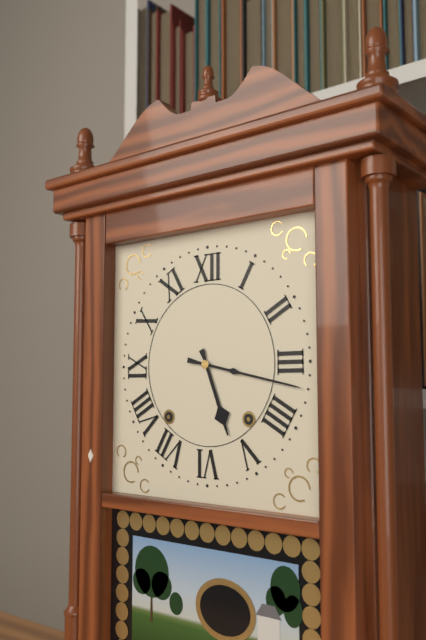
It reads 5h17
